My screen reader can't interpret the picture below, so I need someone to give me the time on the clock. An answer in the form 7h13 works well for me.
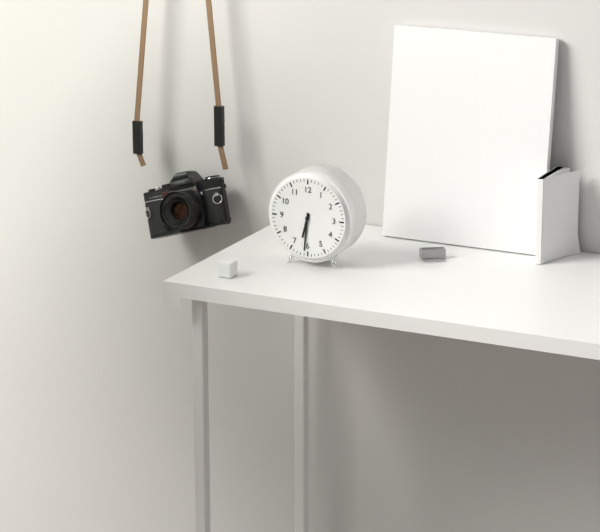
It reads 6h31
